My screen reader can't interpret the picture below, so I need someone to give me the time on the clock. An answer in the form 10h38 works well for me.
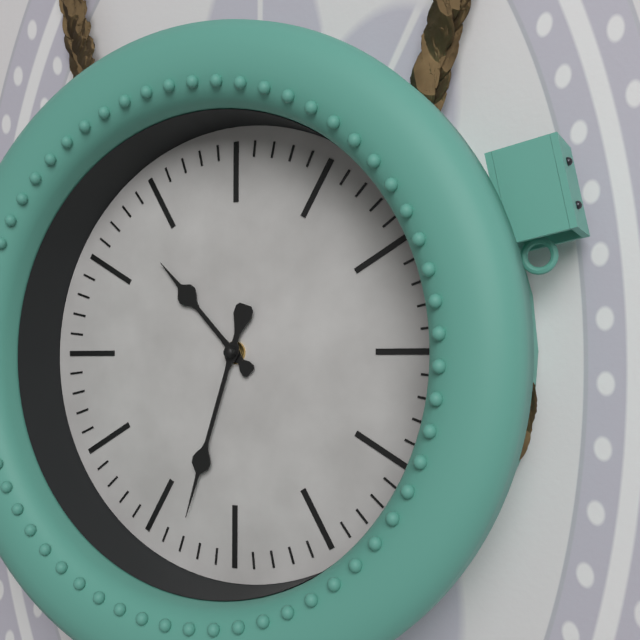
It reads 10h33
